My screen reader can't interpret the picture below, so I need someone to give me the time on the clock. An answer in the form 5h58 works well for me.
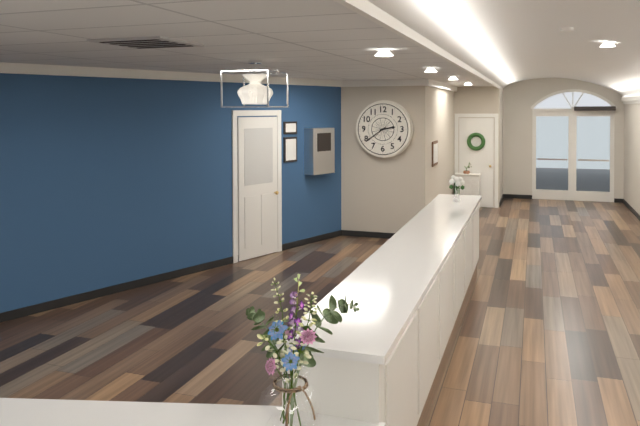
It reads 2h39
